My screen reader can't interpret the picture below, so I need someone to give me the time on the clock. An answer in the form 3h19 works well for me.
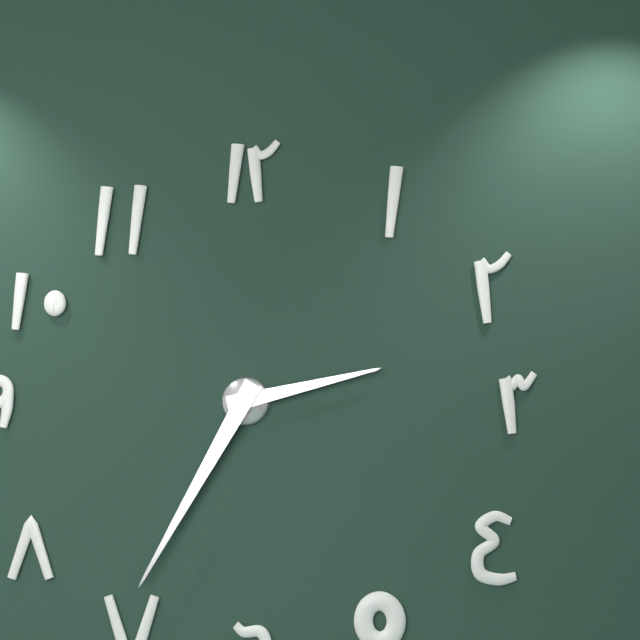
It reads 2h35
